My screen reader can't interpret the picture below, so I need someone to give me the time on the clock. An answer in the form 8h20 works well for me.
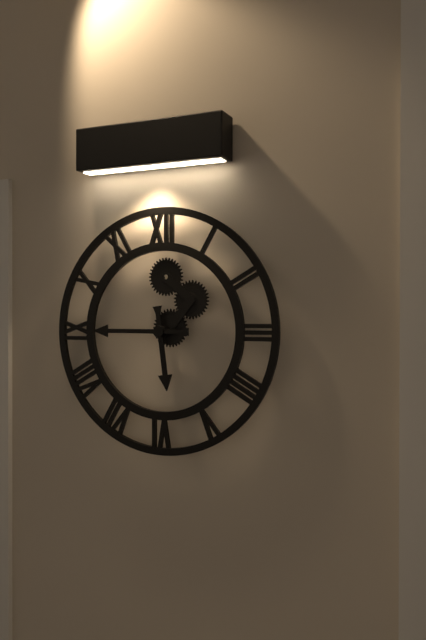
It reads 5h45
